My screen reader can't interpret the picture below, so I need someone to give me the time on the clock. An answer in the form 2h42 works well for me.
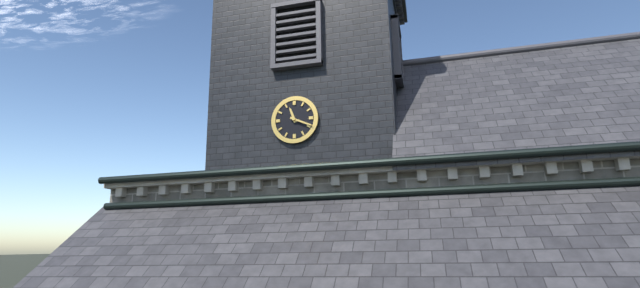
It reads 11h19
